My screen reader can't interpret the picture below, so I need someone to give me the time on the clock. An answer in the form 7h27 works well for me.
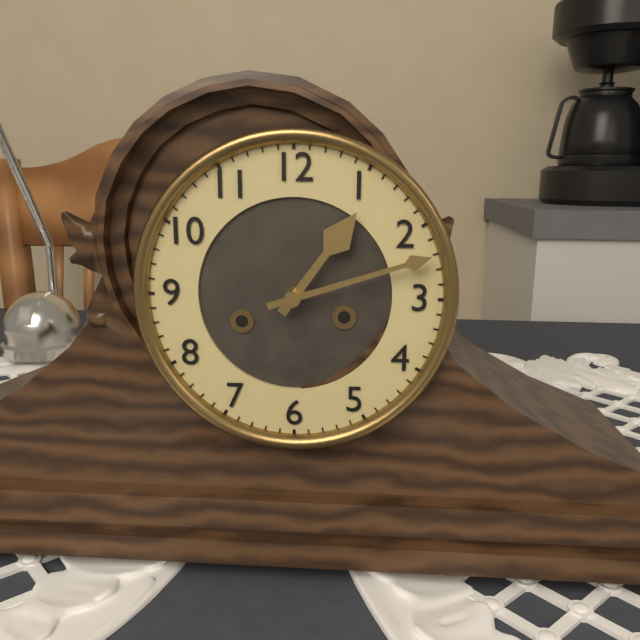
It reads 1h12
